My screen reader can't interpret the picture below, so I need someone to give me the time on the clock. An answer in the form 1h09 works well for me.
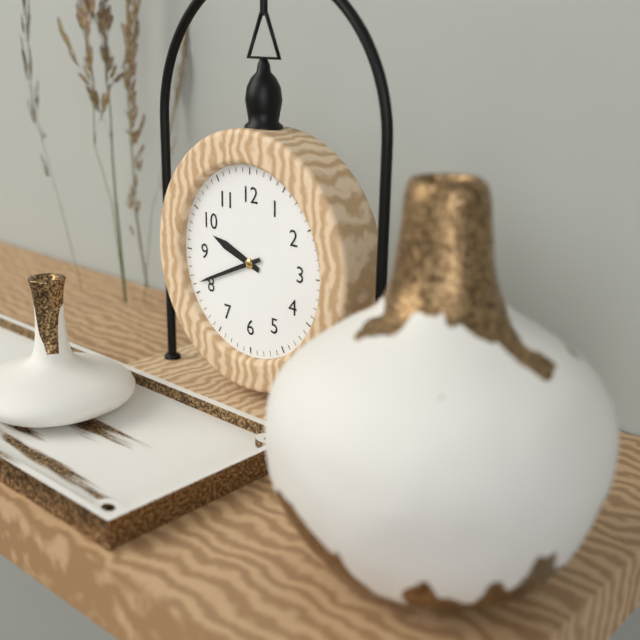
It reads 9h41
